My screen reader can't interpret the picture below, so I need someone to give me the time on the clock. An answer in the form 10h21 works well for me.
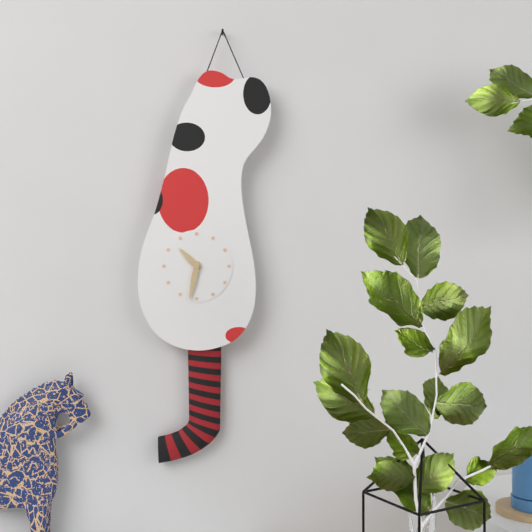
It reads 10h32
